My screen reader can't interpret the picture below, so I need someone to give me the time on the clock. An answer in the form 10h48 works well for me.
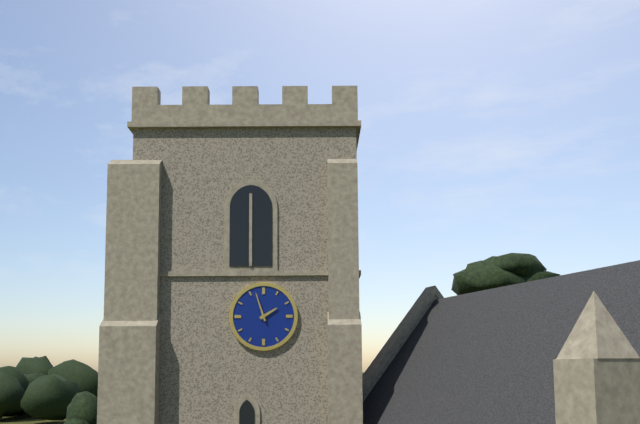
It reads 1h57
